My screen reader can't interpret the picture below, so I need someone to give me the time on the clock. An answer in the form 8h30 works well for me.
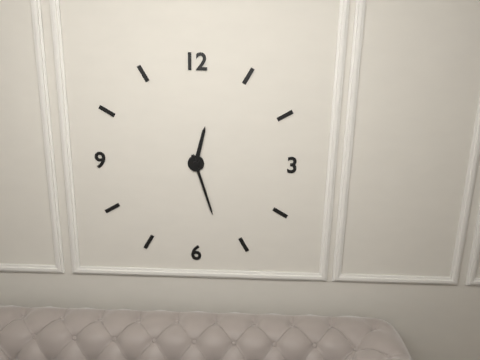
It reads 12h27
